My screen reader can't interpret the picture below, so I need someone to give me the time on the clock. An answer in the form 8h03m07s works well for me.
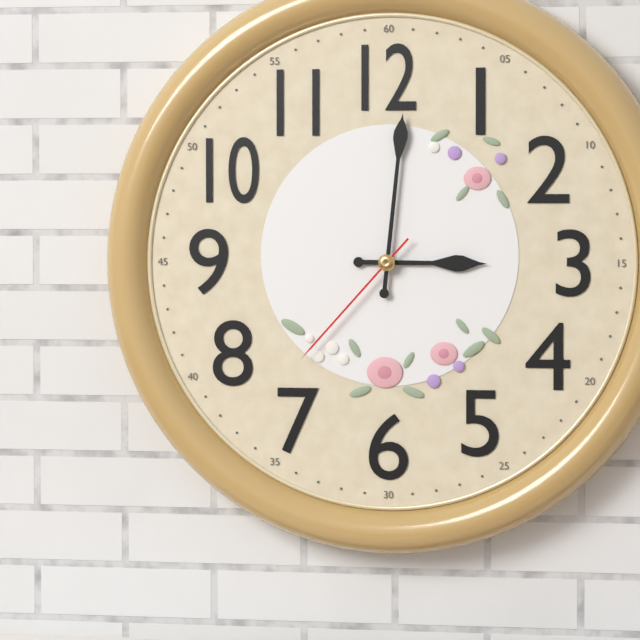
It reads 3h01m37s
